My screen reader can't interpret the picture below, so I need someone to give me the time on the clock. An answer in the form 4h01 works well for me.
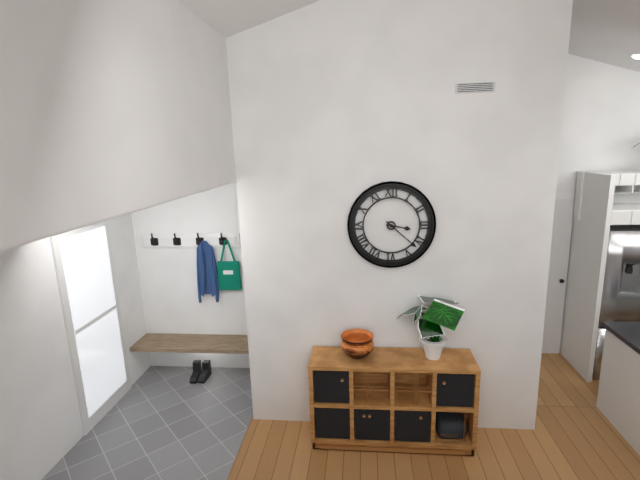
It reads 3h22
